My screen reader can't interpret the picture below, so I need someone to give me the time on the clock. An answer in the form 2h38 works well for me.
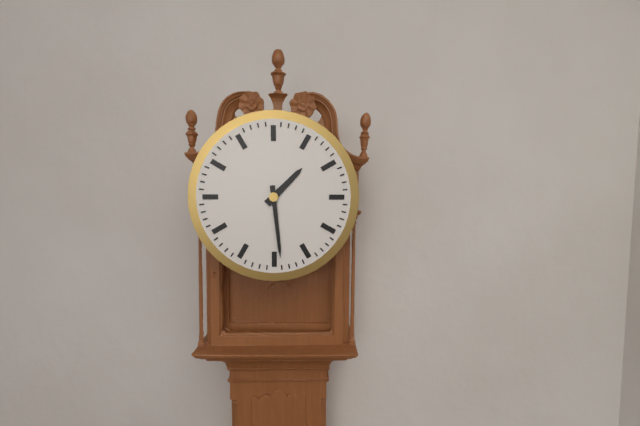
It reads 1h29
